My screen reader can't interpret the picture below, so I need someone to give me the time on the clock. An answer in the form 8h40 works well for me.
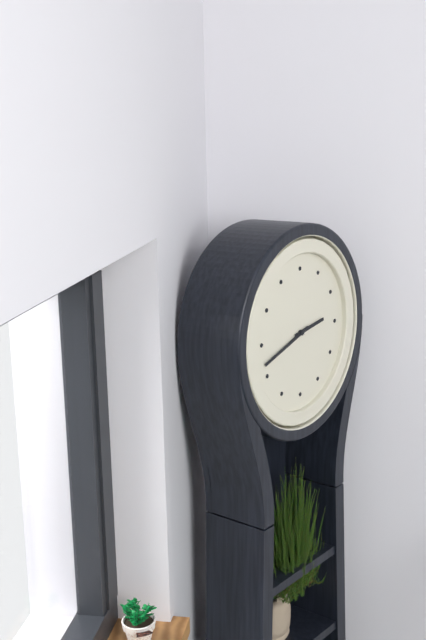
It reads 2h42
